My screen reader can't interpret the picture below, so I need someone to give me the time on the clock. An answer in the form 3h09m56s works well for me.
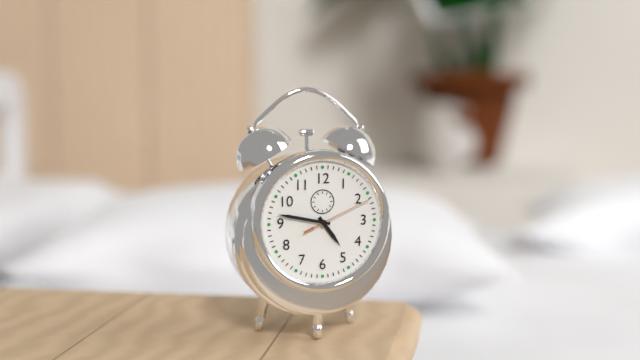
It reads 4h47m11s
